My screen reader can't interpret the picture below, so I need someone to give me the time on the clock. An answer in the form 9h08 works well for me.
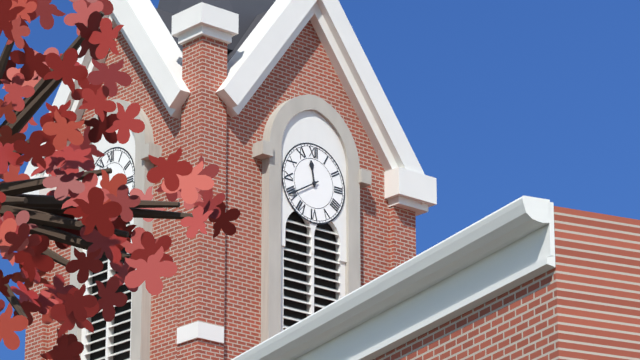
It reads 11h40
